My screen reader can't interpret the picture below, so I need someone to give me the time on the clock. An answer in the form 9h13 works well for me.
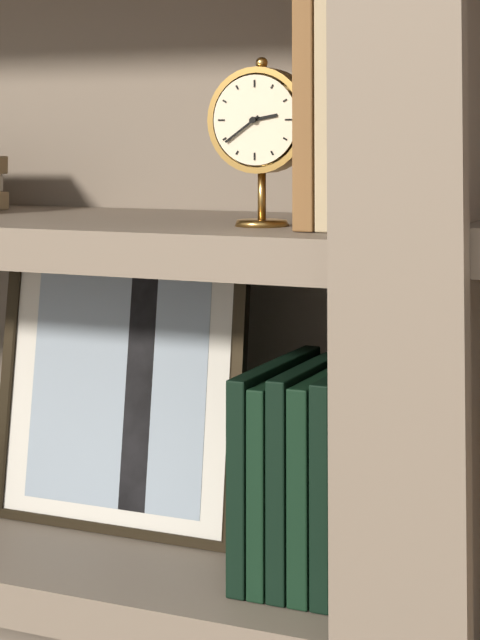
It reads 2h39
